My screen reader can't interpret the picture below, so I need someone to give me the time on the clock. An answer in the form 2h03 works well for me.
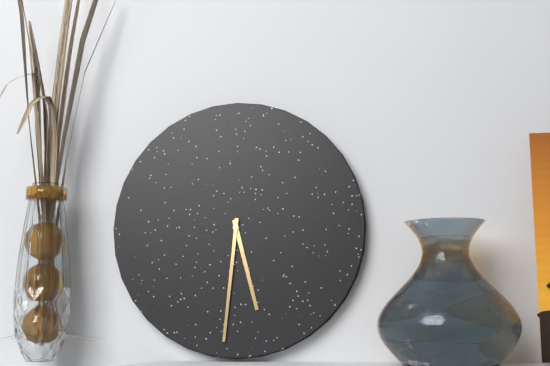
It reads 5h31
